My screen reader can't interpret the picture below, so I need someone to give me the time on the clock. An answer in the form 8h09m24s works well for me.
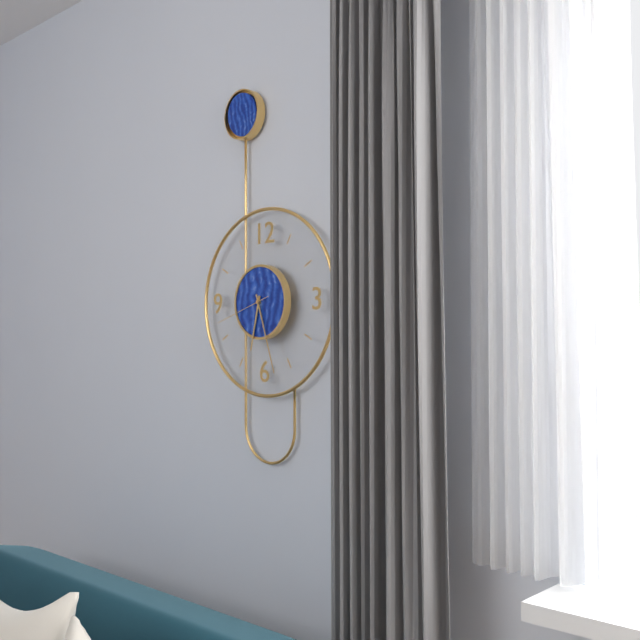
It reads 6h27m42s
